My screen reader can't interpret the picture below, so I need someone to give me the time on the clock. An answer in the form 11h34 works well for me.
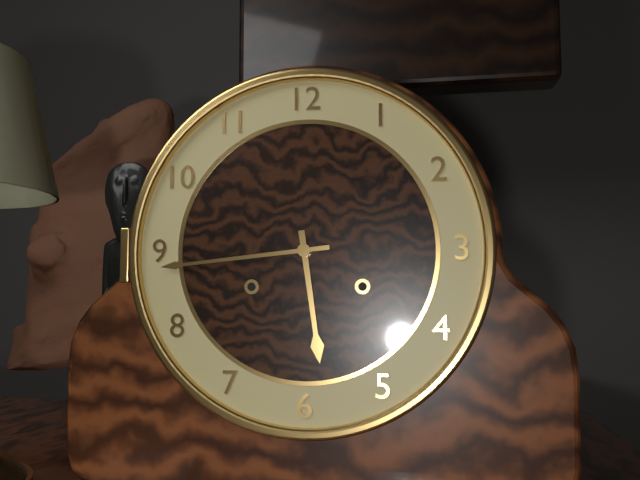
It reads 5h44
